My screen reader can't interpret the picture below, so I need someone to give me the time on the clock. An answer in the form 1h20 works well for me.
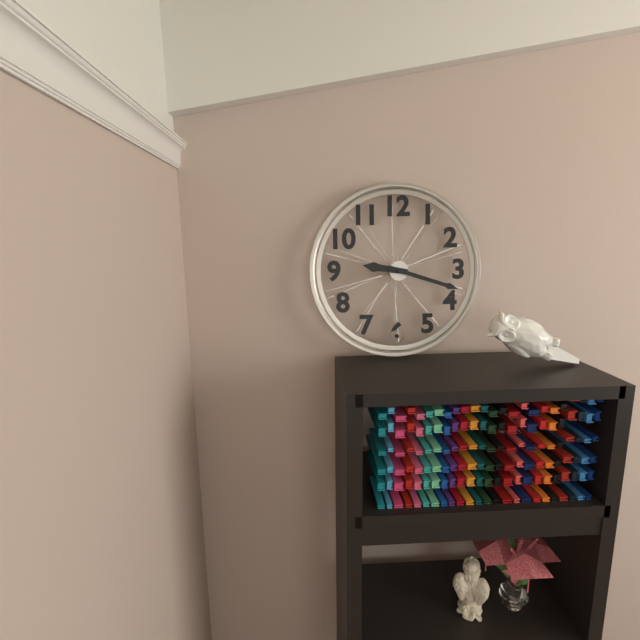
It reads 9h18
